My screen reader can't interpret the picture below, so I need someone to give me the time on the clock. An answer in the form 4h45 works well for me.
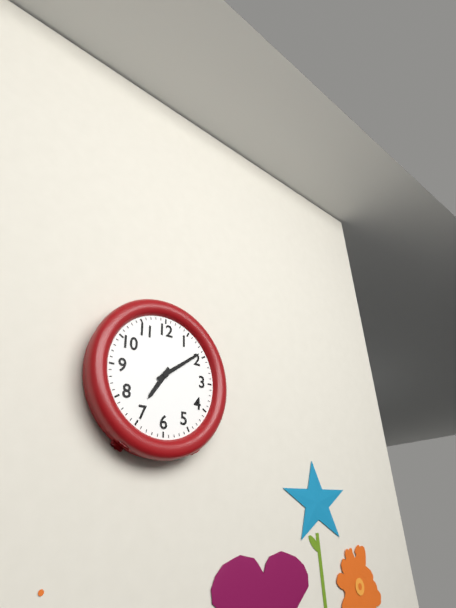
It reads 7h09
